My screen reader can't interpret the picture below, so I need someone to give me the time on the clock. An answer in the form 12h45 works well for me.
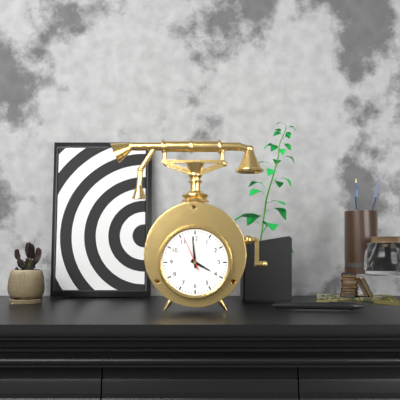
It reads 3h59
